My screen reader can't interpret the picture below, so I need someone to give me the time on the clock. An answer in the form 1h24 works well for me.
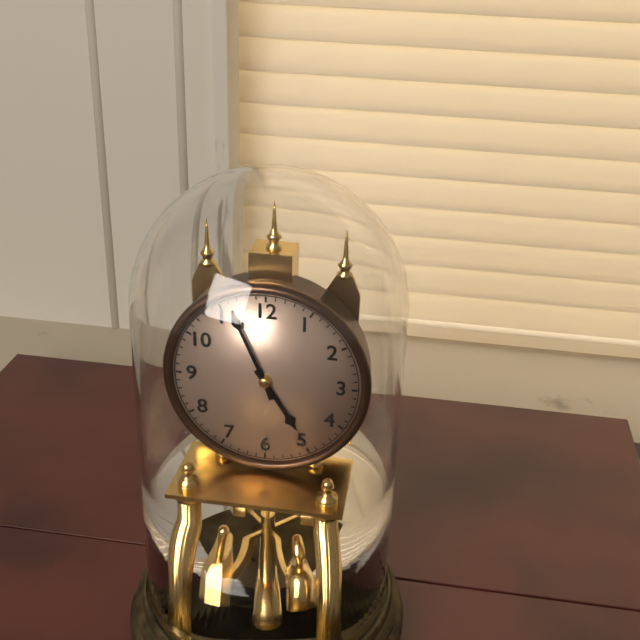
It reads 4h56
